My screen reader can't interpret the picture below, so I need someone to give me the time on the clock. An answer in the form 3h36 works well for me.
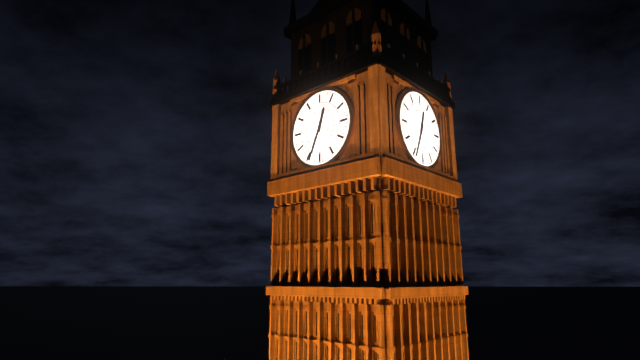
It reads 12h34
